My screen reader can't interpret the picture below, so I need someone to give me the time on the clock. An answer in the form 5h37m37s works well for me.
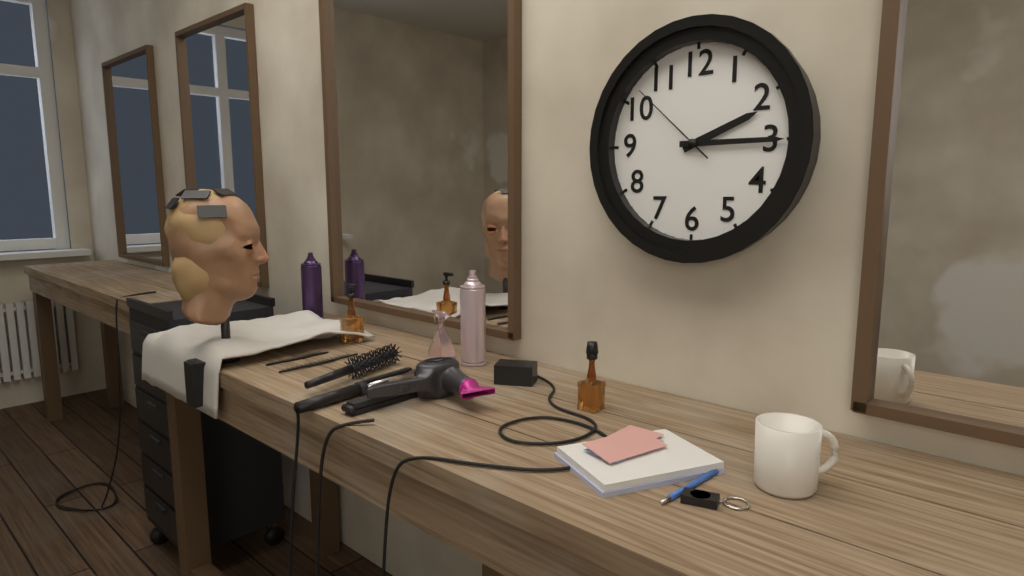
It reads 2h15m52s
